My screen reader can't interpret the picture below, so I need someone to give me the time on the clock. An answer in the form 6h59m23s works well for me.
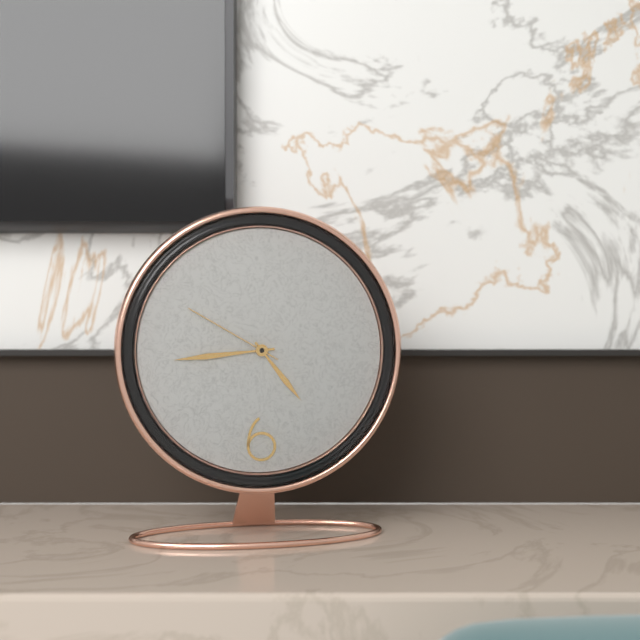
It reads 4h44m50s
